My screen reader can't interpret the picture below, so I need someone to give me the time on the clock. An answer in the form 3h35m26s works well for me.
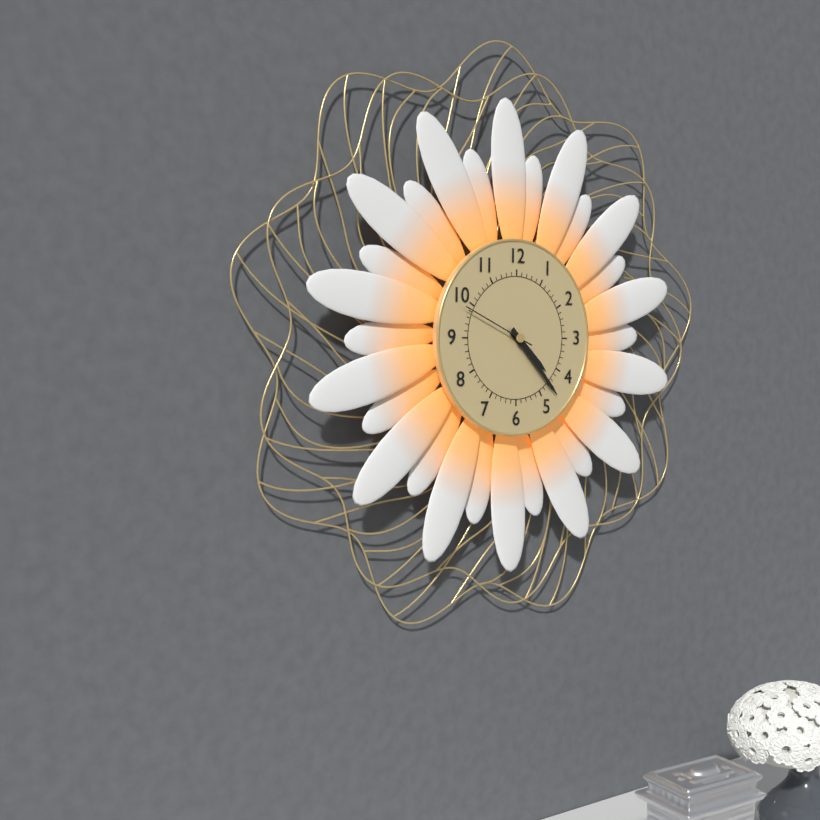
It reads 4h23m49s
